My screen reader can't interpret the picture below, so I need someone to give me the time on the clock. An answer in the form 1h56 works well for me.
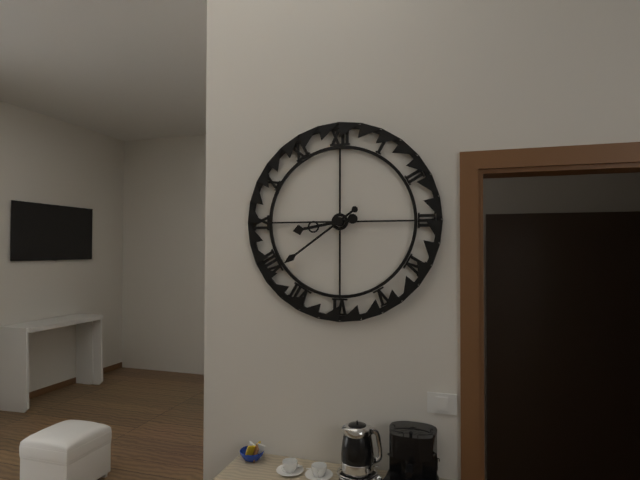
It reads 8h39
